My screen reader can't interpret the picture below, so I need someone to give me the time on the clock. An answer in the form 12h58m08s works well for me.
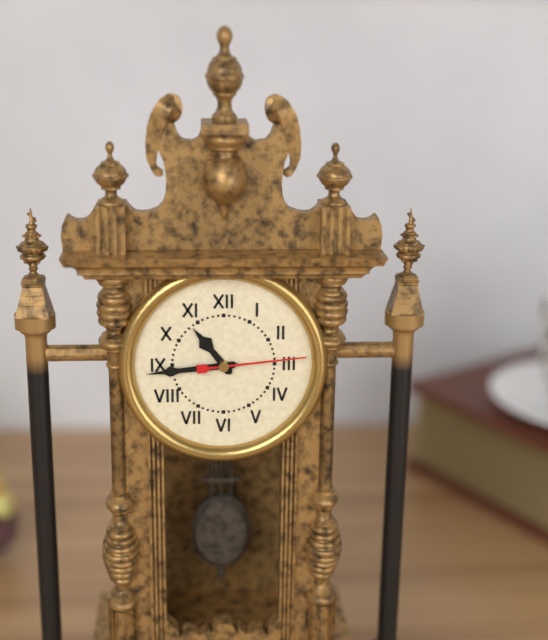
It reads 10h44m14s
